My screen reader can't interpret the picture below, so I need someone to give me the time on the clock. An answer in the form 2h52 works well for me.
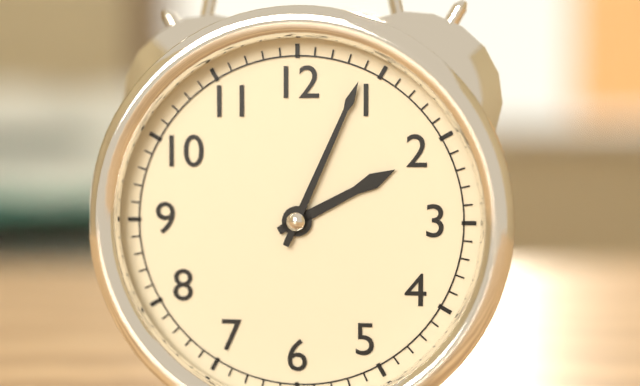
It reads 2h04
